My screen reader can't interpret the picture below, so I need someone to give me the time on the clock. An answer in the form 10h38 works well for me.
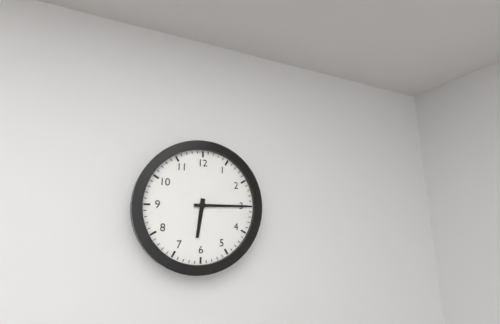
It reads 6h15
